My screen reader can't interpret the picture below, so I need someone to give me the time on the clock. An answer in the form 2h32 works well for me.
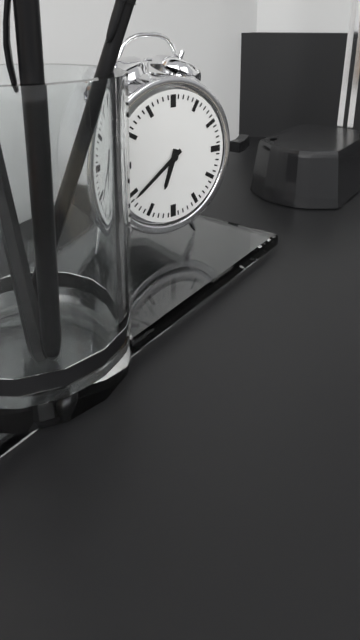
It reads 6h39
